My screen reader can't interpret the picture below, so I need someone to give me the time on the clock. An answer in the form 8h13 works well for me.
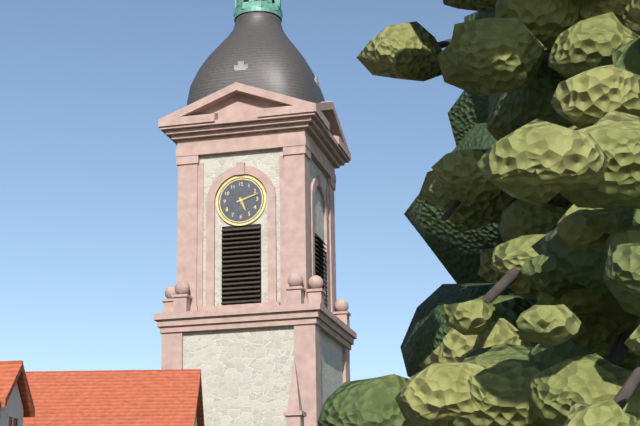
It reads 5h12
